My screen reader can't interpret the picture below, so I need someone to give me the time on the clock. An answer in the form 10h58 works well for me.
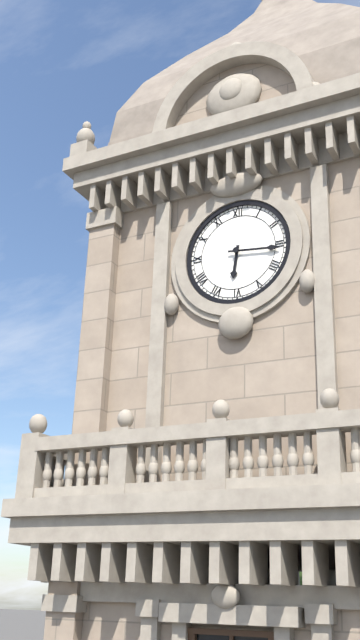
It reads 6h16
